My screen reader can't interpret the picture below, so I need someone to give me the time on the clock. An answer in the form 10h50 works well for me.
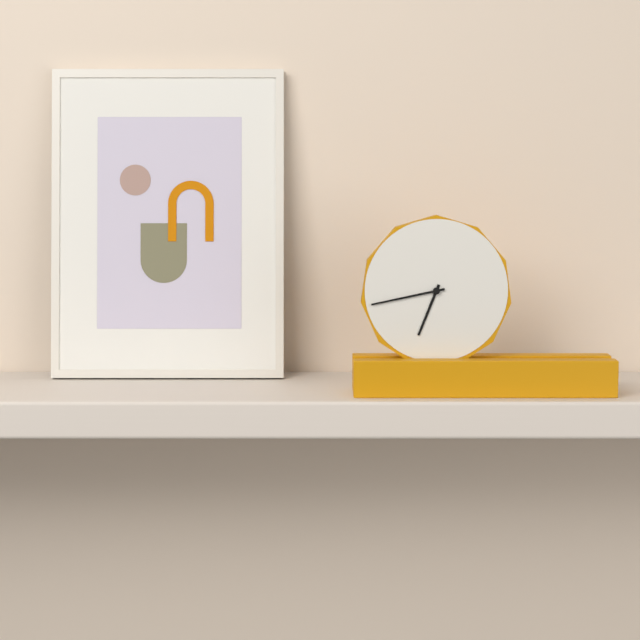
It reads 6h43
